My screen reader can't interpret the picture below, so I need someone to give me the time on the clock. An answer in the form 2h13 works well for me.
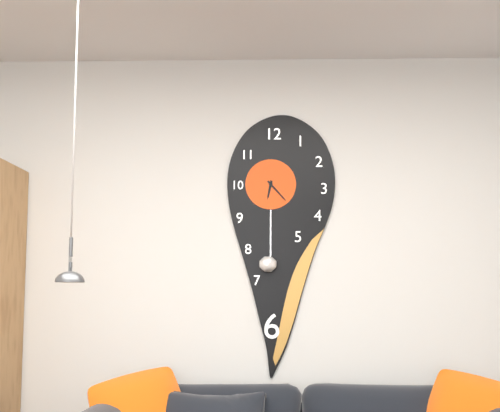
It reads 6h23
